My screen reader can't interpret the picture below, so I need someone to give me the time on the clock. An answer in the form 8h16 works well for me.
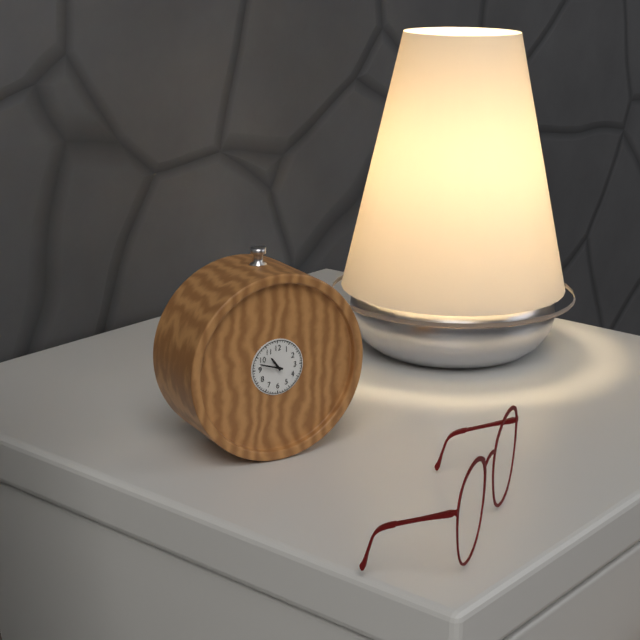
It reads 10h48
